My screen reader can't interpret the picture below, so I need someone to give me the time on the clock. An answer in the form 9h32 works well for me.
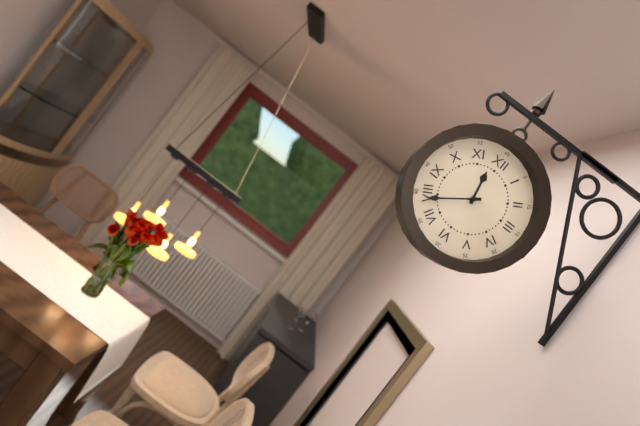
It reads 11h39
